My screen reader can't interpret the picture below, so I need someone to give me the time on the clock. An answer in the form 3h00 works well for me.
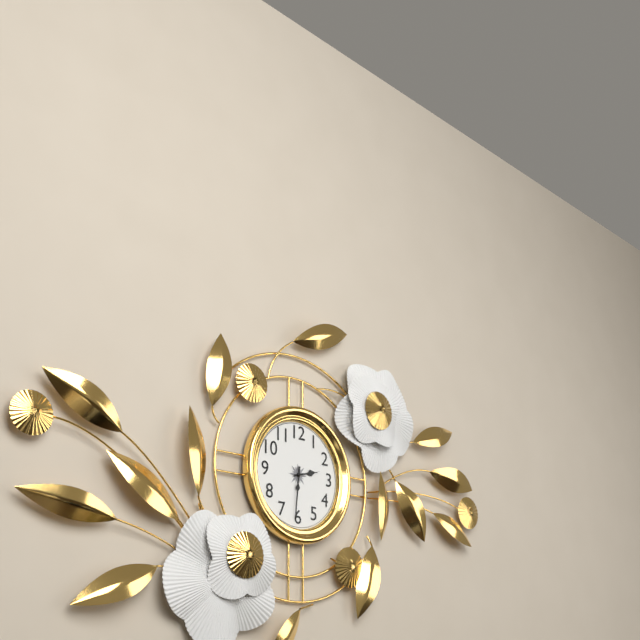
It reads 2h31
